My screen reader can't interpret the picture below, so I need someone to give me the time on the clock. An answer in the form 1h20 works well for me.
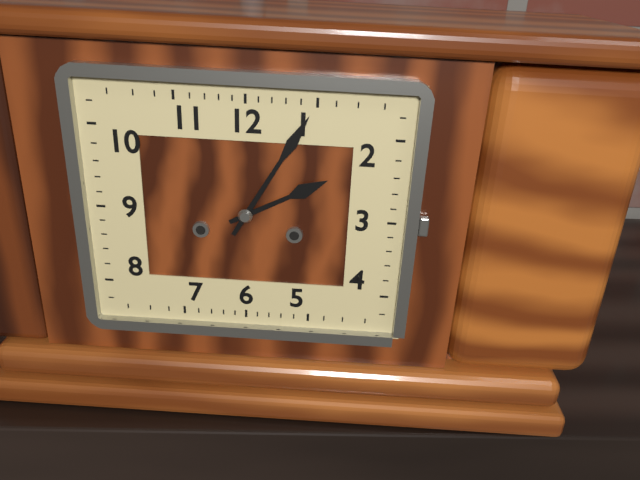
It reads 2h05
